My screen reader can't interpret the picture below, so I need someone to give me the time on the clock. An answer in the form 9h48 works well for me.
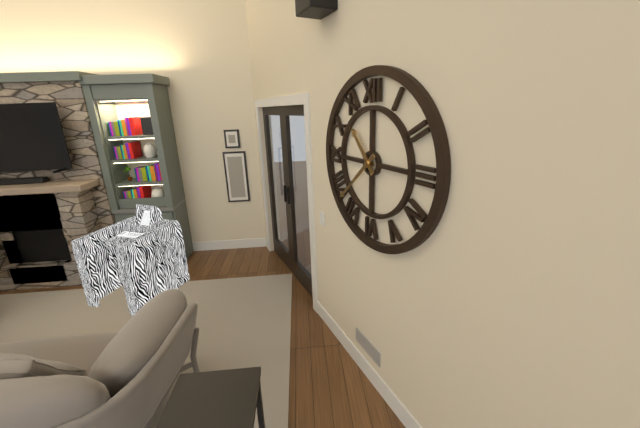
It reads 10h38
